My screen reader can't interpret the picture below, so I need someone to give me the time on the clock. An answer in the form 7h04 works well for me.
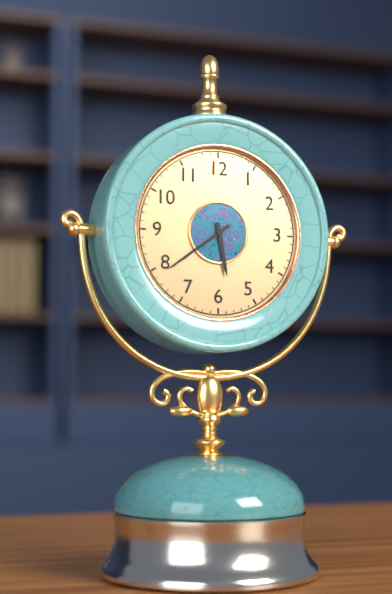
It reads 5h39
